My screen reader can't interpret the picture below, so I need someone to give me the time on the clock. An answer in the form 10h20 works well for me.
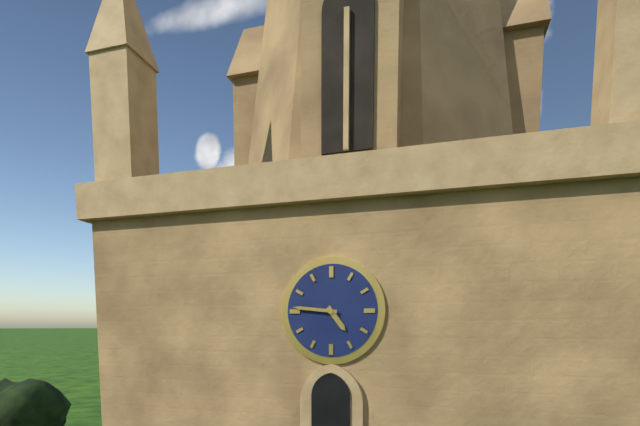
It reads 4h46
